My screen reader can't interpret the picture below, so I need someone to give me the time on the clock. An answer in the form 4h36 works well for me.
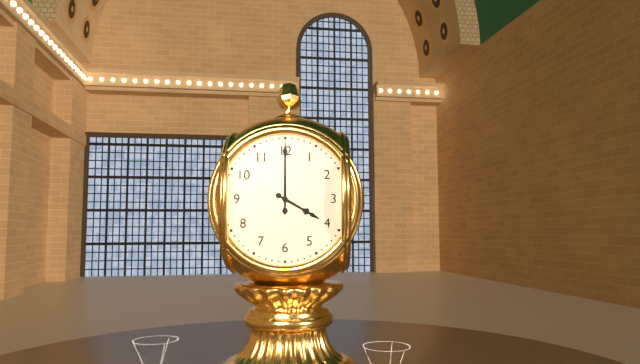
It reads 4h00
